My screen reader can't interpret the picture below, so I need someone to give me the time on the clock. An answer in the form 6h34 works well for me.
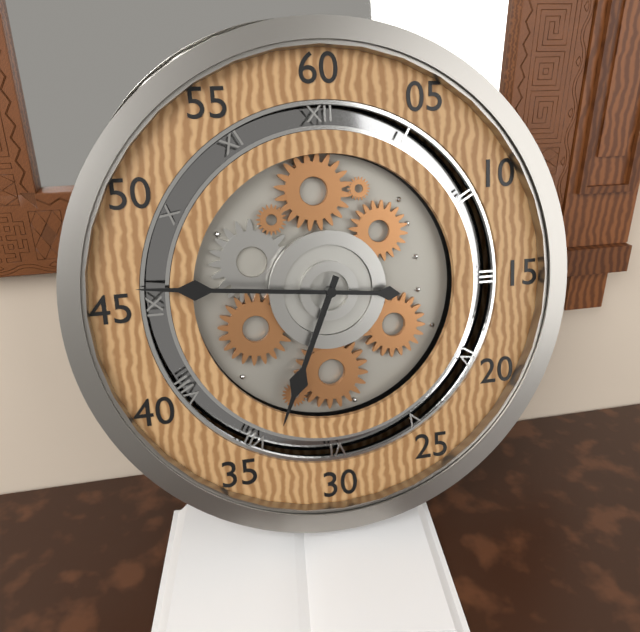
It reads 6h46
